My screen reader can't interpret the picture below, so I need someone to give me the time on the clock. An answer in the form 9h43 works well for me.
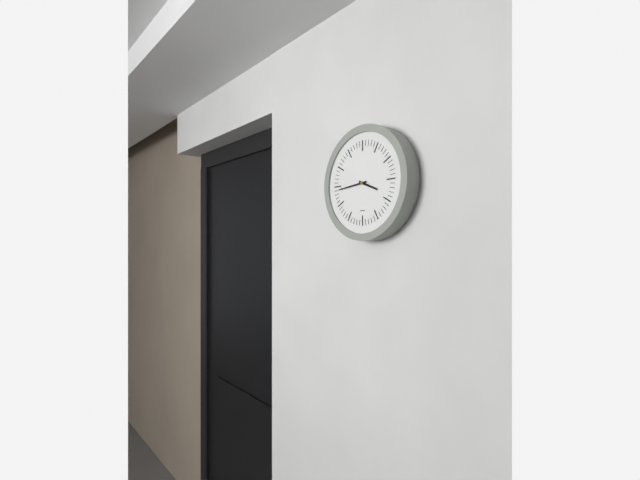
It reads 3h44
